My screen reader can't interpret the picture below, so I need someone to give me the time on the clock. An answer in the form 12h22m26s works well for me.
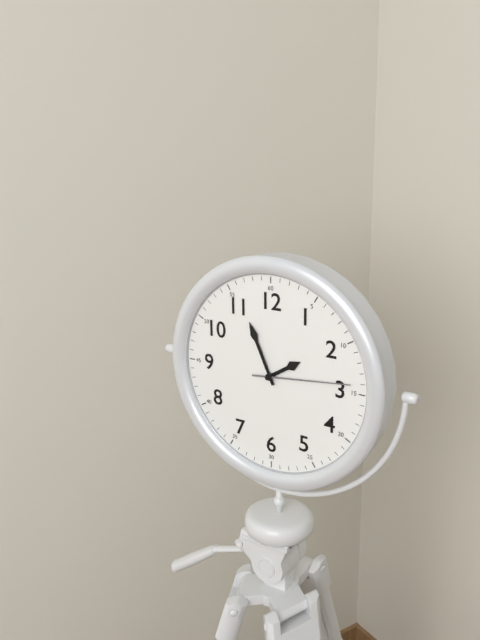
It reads 1h56m14s
